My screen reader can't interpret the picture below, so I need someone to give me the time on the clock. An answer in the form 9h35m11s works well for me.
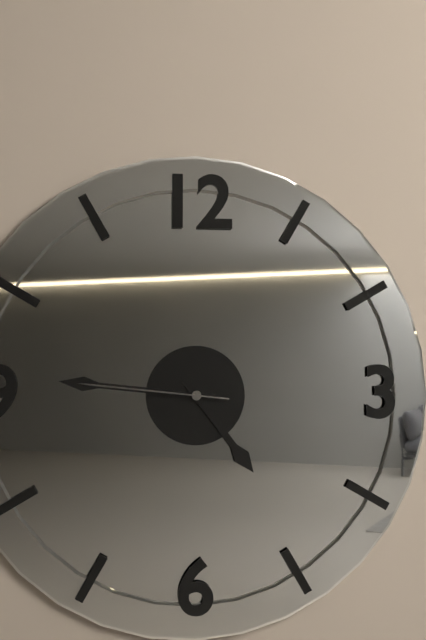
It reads 4h46m46s
